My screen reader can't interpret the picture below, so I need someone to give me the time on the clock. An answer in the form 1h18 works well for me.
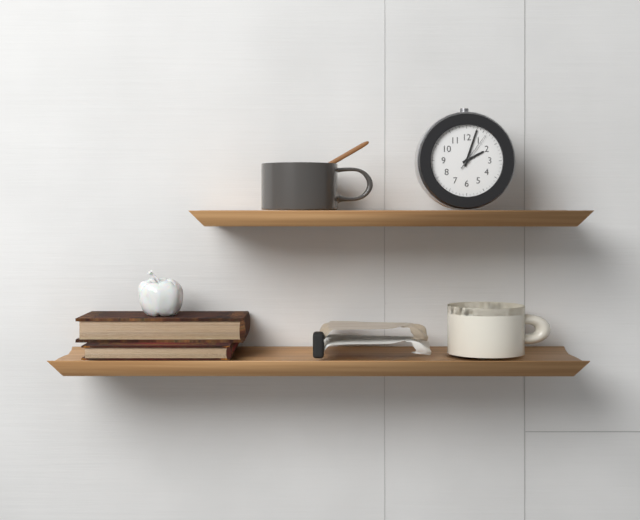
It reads 2h03
